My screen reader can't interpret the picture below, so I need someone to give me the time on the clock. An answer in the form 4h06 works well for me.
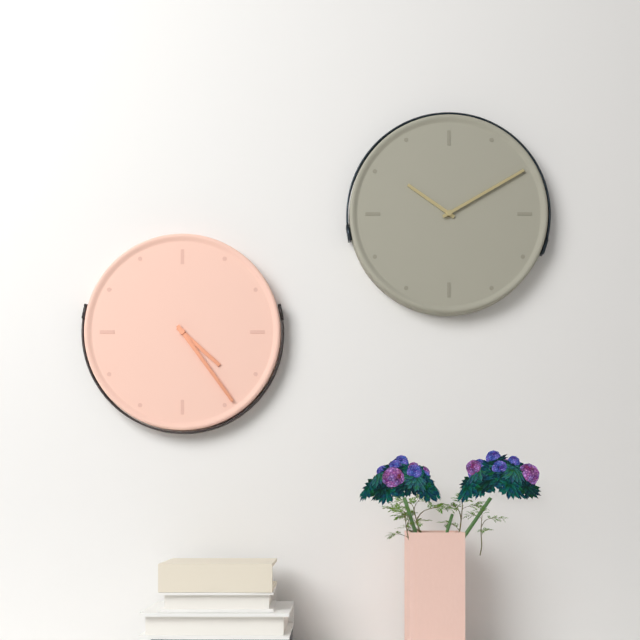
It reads 4h24
